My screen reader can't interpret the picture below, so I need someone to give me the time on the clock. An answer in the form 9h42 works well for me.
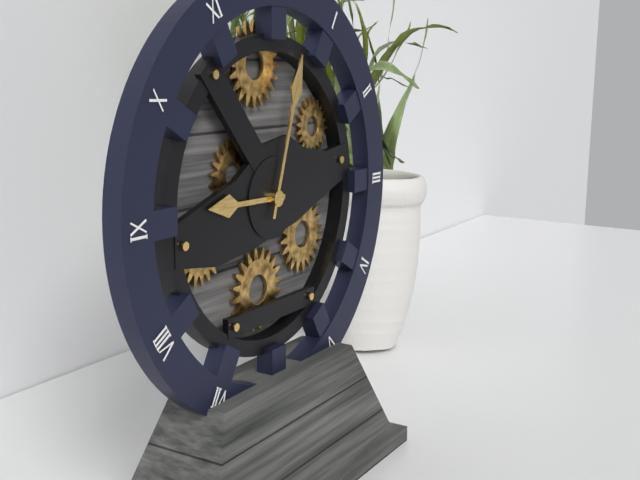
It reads 9h03
